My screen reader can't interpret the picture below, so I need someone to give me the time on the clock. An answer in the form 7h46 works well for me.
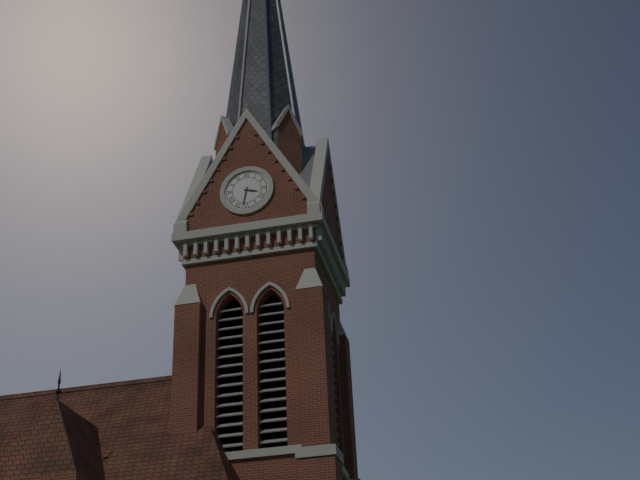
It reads 3h32
